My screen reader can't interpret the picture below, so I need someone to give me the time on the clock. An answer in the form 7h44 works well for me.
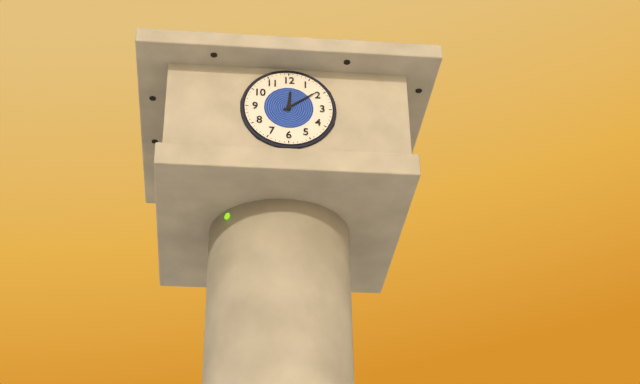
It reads 12h09
